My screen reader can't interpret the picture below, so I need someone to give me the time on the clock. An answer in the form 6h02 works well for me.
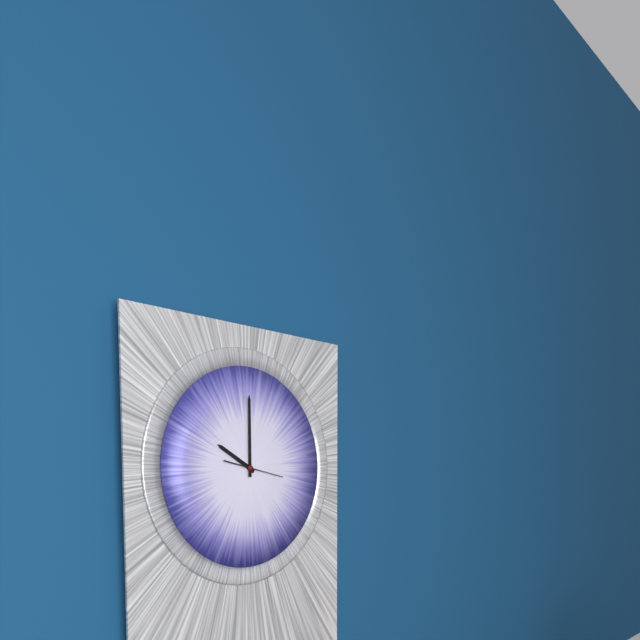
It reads 10h00
